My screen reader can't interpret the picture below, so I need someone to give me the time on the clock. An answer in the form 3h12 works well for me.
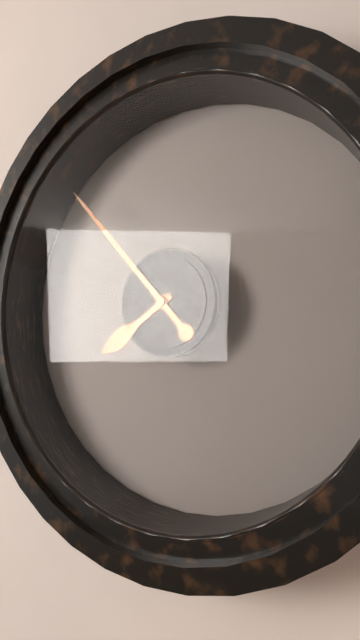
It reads 7h53
